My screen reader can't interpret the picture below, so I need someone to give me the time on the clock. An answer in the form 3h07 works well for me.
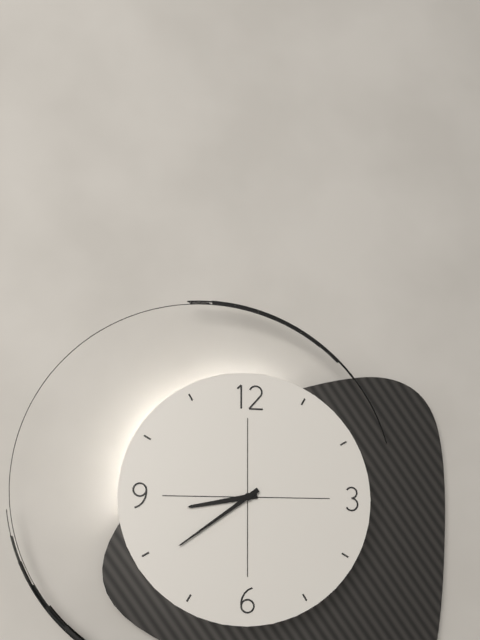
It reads 8h39
